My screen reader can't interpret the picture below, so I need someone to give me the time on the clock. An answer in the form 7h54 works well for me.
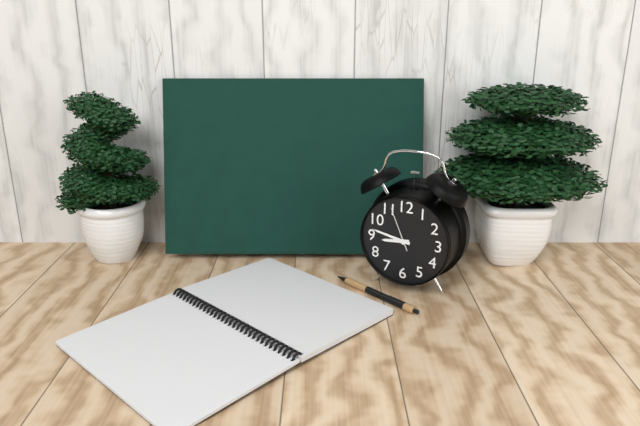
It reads 8h47
